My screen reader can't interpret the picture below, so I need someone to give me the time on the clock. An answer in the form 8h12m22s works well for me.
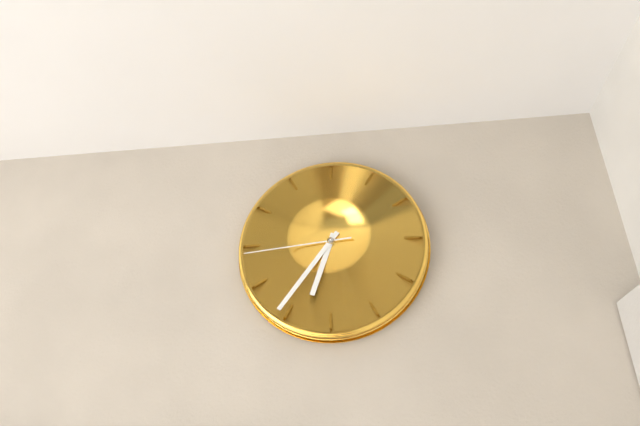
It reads 6h36m44s
